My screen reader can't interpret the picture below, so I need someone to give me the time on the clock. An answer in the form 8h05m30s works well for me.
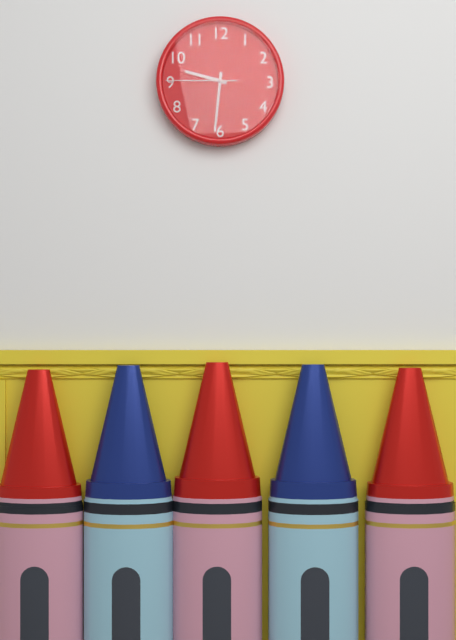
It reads 9h31m45s
